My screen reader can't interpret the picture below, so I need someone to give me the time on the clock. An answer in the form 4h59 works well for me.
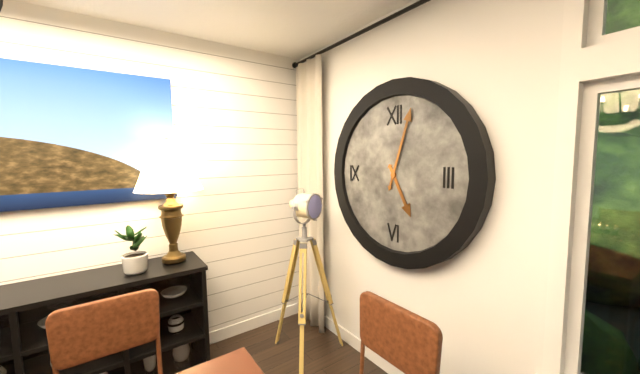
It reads 5h03
